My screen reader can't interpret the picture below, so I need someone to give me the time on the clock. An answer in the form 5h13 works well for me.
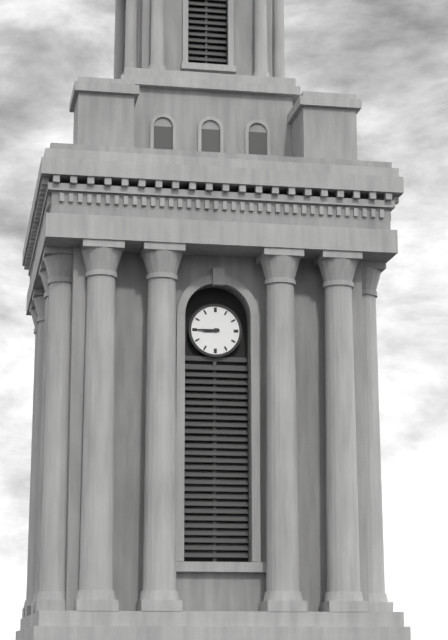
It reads 8h45
